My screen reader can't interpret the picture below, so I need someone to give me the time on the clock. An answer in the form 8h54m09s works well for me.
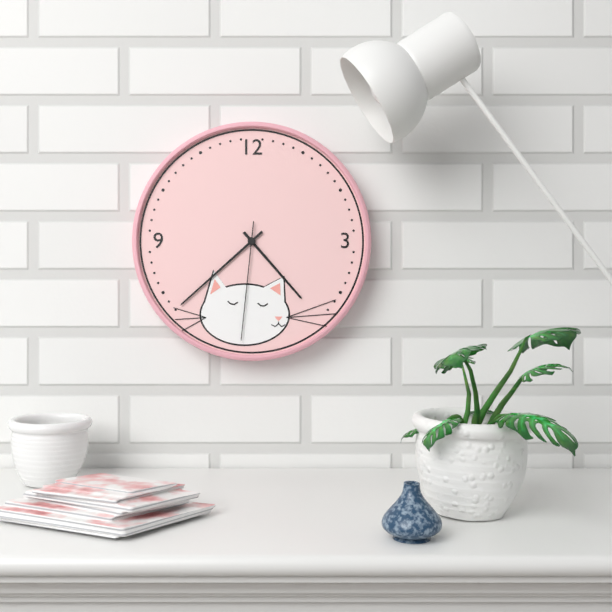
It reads 4h38m31s
